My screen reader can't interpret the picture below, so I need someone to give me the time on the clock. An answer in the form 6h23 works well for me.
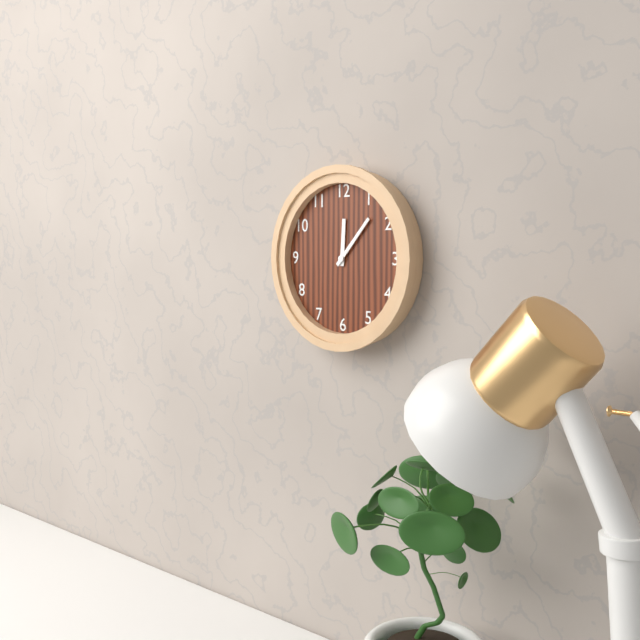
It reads 12h07
